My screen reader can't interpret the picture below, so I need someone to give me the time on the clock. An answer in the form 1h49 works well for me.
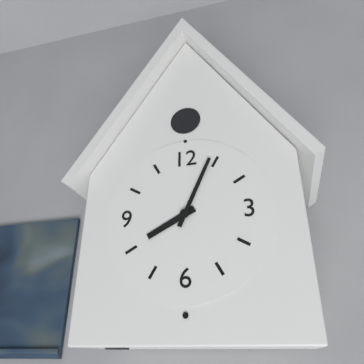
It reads 8h04
